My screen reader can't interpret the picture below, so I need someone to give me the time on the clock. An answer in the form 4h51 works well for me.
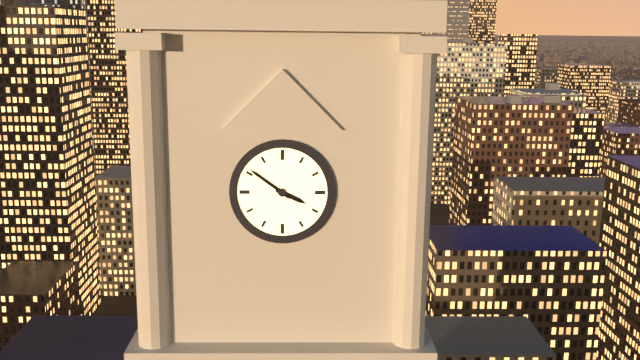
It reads 3h51
